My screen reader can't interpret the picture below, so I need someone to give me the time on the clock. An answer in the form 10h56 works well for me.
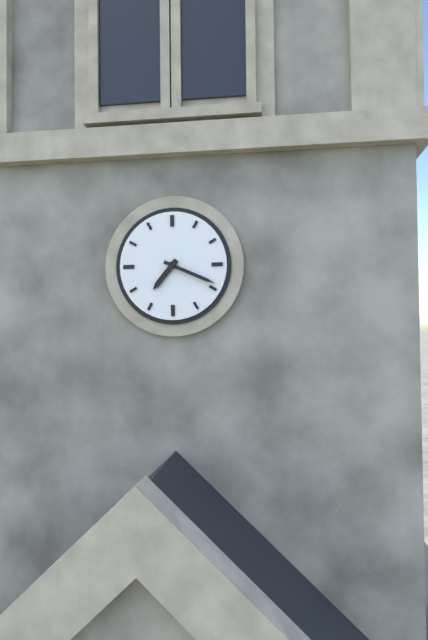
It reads 7h19
